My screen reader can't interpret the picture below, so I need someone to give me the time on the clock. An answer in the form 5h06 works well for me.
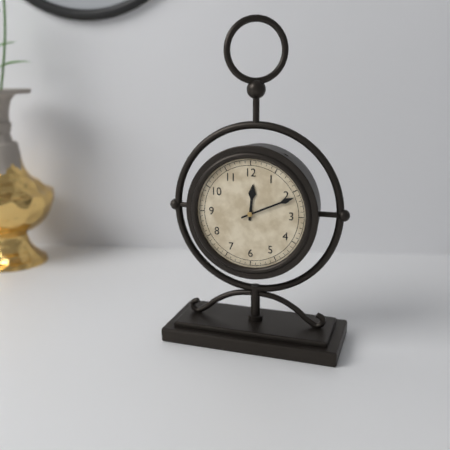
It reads 12h11
